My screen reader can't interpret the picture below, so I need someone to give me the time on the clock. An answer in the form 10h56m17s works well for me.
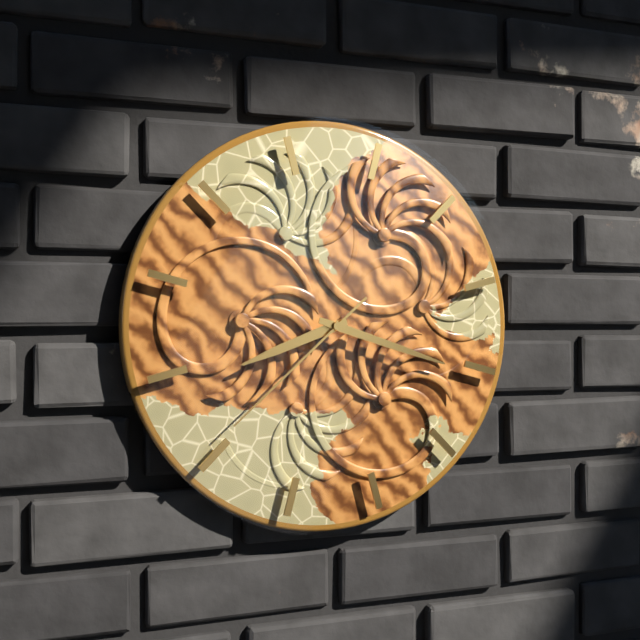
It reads 8h18m38s
